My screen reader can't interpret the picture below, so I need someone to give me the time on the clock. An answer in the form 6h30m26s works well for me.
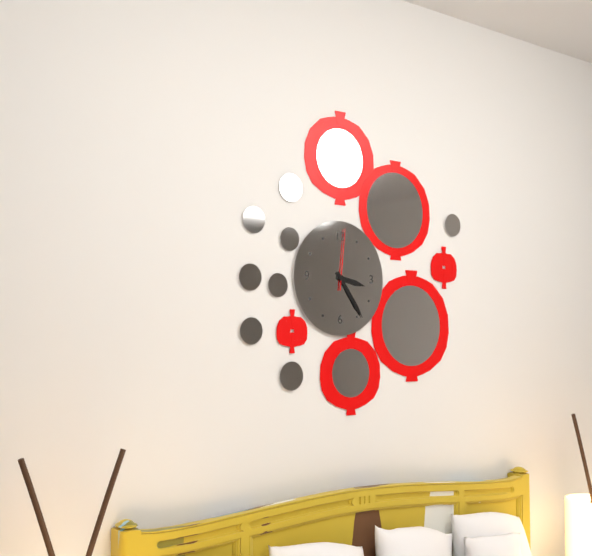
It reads 3h24m01s
